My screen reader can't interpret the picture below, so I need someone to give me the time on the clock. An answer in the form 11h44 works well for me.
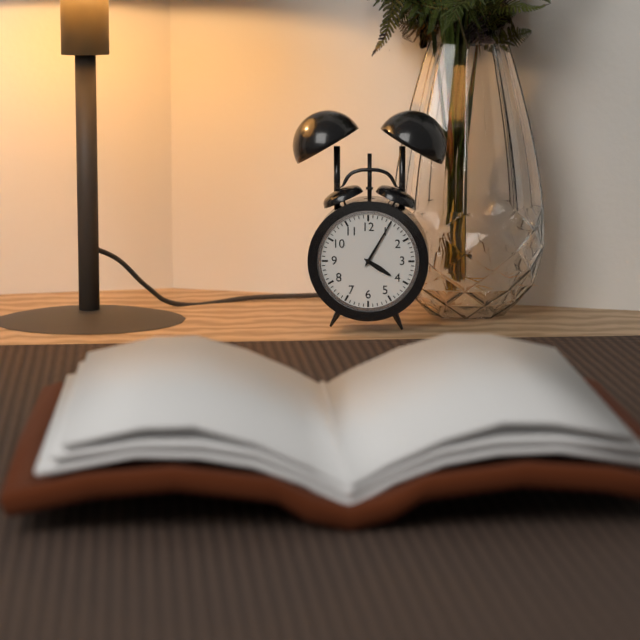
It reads 4h05
